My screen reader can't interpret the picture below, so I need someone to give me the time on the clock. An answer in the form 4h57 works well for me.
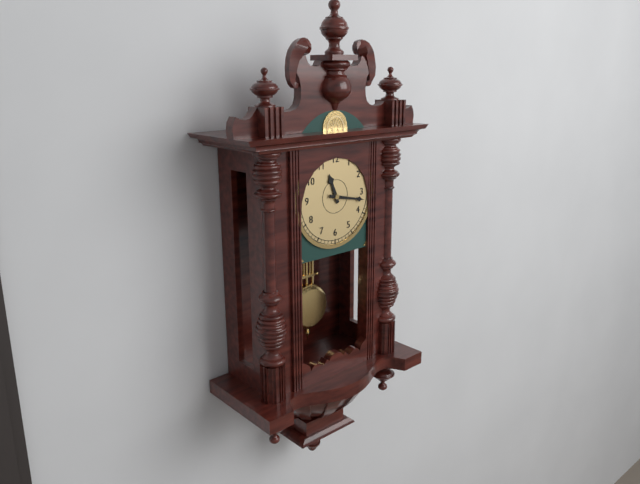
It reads 11h17
